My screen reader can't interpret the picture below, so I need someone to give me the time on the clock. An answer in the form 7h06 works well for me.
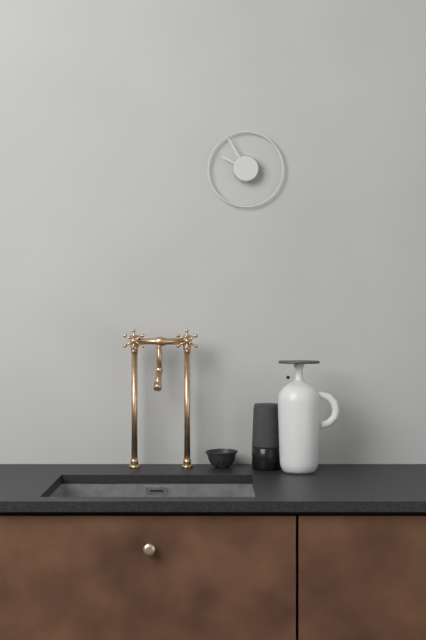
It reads 9h55
